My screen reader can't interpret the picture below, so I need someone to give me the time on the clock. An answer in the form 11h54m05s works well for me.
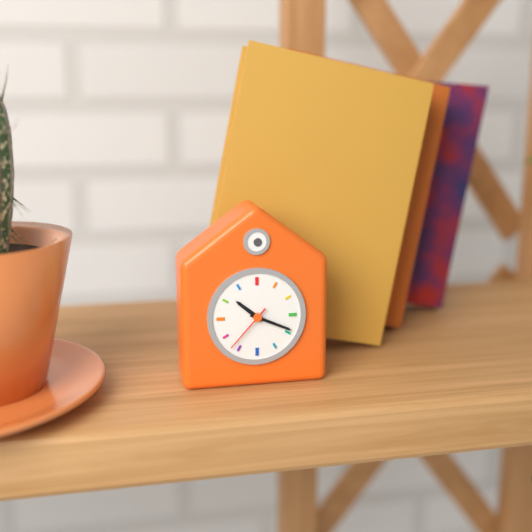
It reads 10h19m37s
